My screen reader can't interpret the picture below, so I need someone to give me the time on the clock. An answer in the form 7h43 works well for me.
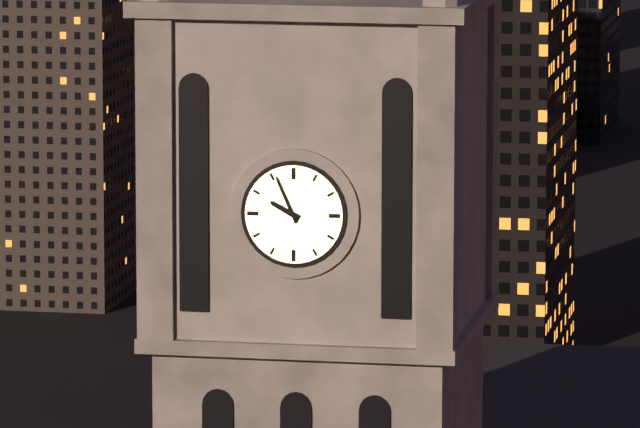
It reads 9h56
